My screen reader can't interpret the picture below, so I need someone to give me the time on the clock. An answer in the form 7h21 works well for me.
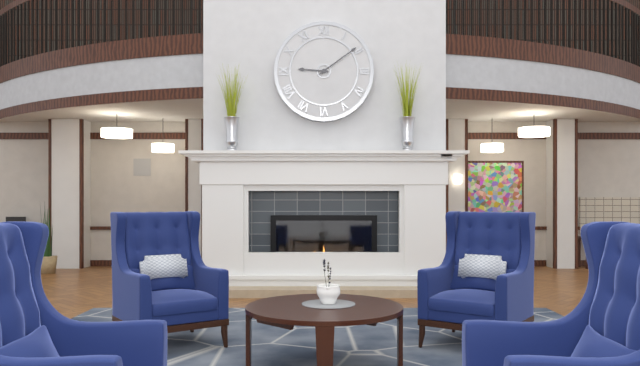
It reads 9h09
